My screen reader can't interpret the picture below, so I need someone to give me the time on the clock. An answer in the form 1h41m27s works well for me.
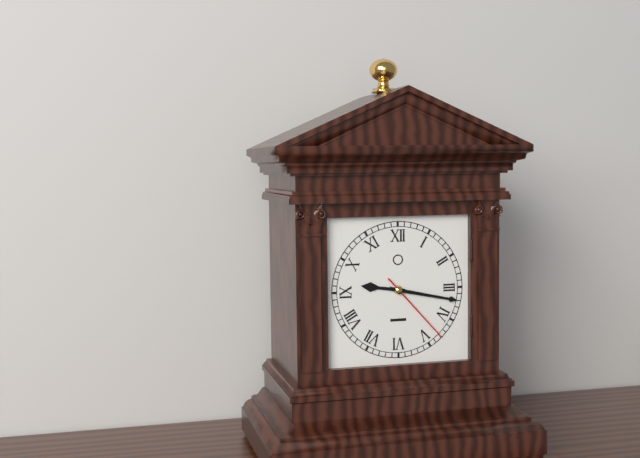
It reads 9h17m23s
